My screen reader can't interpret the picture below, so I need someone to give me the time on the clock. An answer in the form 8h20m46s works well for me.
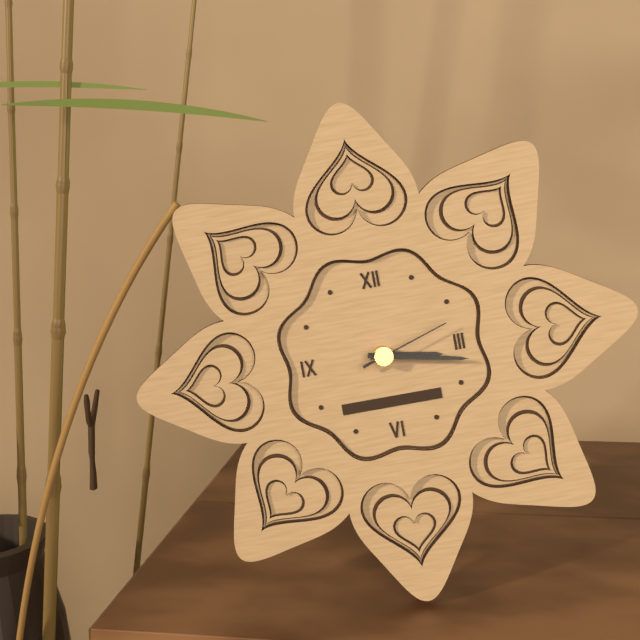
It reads 3h17m12s
